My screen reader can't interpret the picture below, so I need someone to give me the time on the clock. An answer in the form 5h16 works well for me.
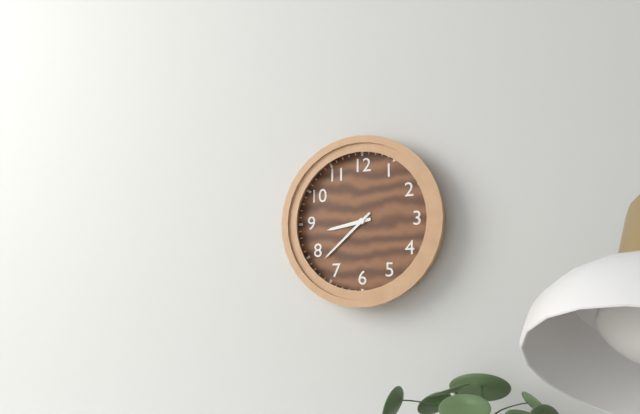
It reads 8h38
